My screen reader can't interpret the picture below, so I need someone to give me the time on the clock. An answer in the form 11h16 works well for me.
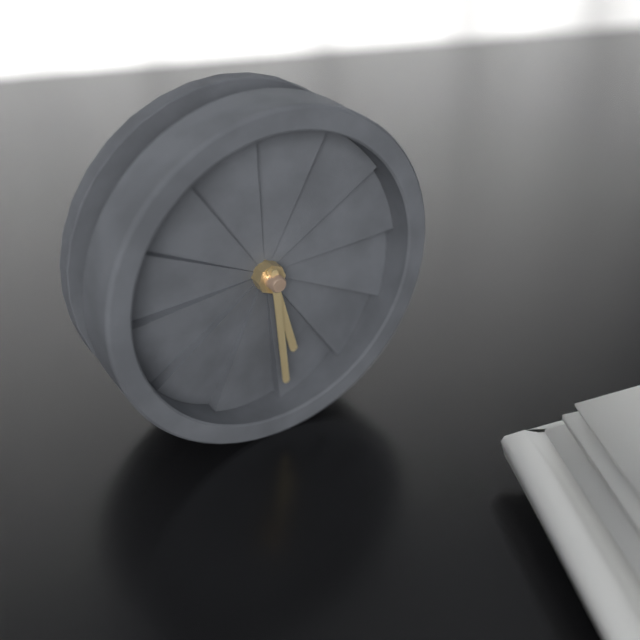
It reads 5h29
